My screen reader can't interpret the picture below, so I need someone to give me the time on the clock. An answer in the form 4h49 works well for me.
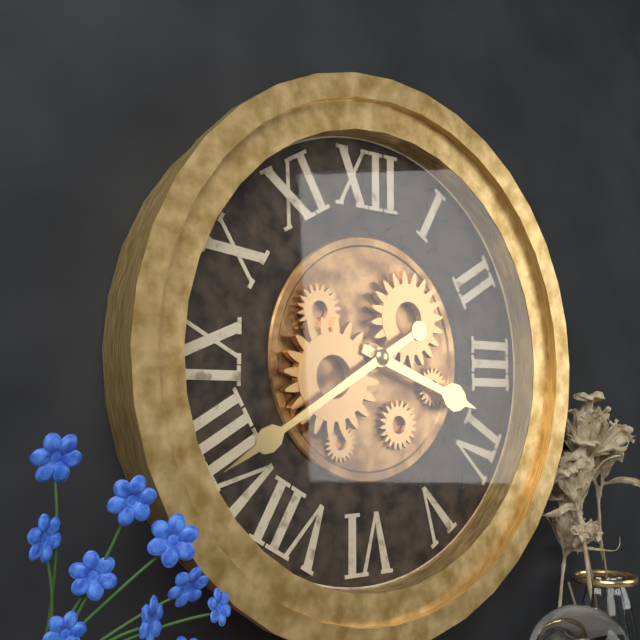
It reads 3h40
